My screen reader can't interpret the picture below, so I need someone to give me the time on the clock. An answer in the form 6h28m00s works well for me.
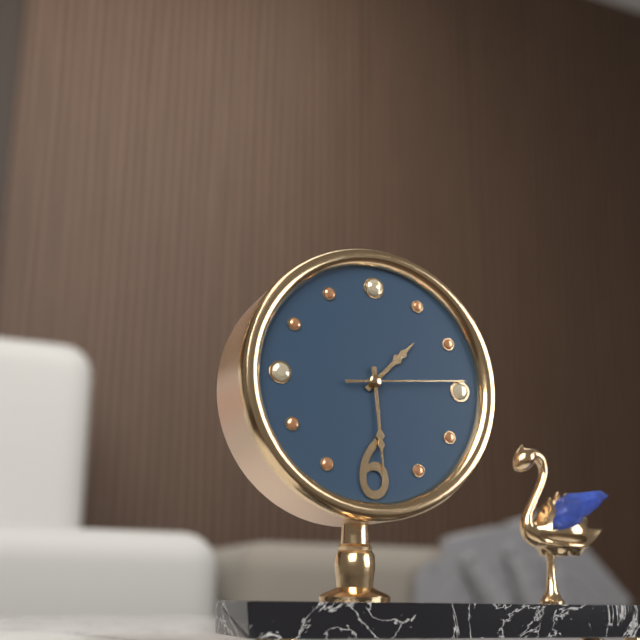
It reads 1h29m14s
